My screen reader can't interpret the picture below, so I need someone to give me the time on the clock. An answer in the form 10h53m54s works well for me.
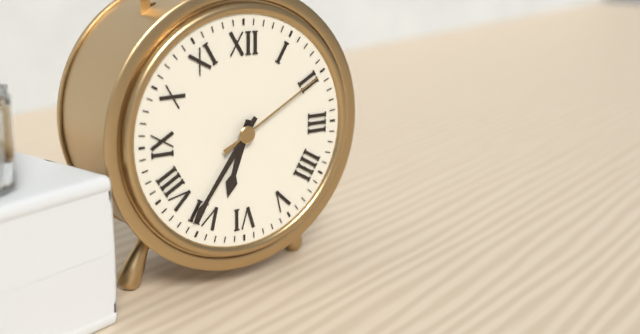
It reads 6h36m10s
